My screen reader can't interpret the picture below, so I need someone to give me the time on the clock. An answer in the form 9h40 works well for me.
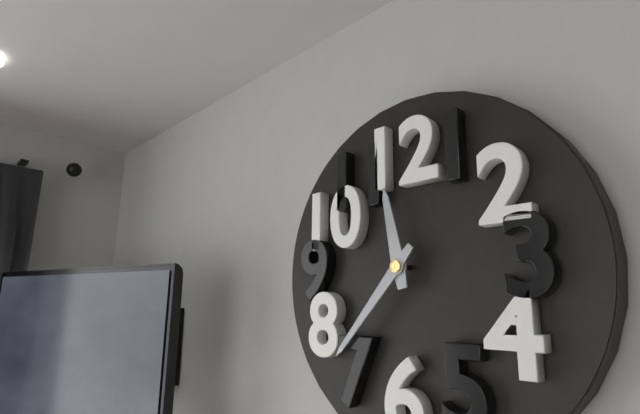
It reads 11h37
